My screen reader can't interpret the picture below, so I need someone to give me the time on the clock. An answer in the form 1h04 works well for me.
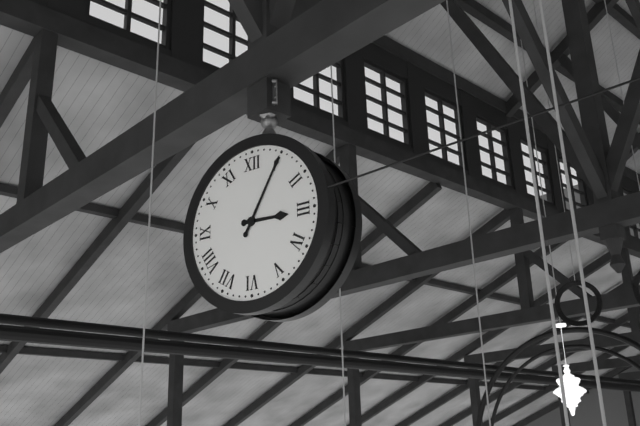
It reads 3h05
